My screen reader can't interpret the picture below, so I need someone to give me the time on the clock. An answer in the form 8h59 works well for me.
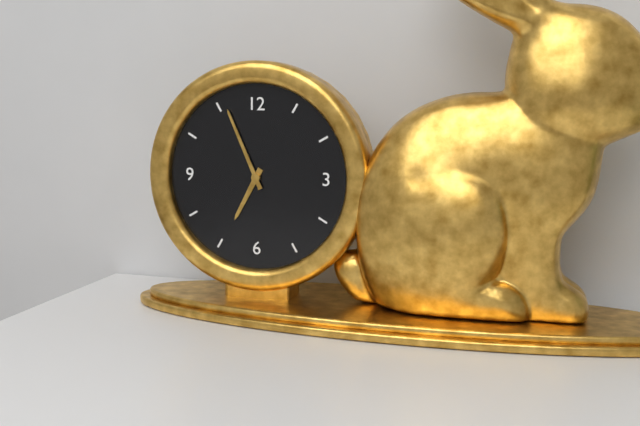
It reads 6h56
